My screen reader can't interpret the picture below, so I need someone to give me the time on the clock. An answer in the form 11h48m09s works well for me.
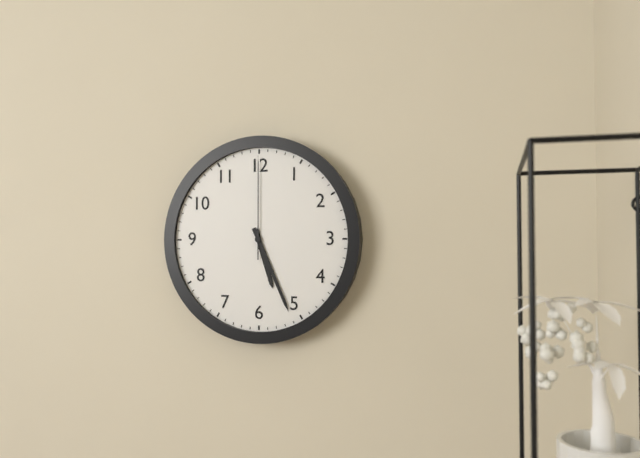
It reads 5h26m00s
